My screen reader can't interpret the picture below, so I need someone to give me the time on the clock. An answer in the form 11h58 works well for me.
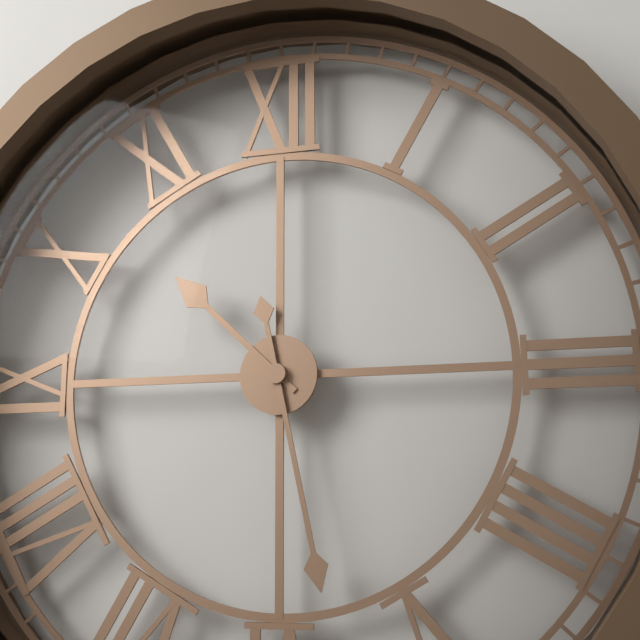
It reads 10h28
